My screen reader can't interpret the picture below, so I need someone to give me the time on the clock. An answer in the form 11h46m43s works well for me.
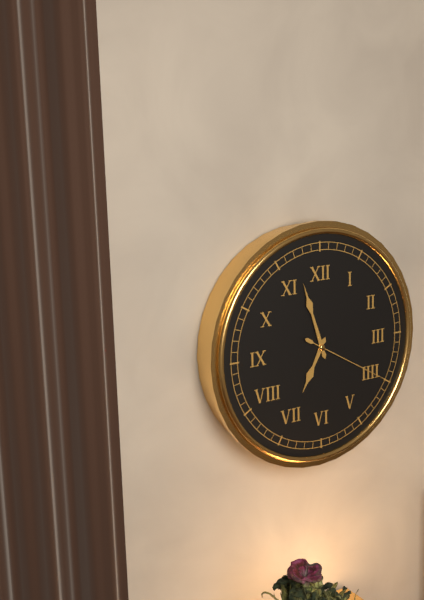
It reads 6h57m20s
